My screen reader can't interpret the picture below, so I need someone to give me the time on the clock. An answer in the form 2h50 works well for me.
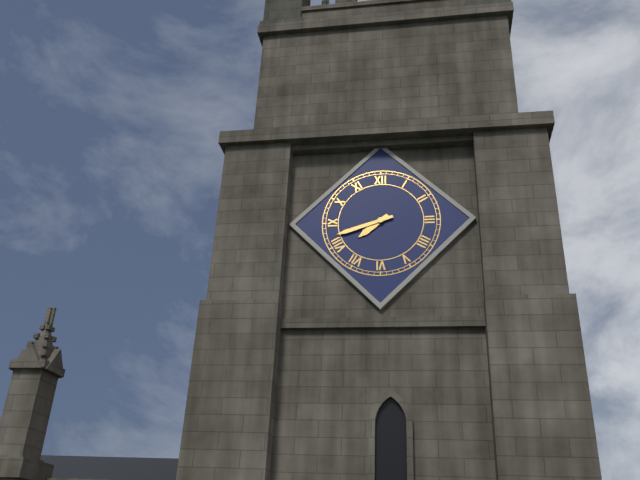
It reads 7h42
